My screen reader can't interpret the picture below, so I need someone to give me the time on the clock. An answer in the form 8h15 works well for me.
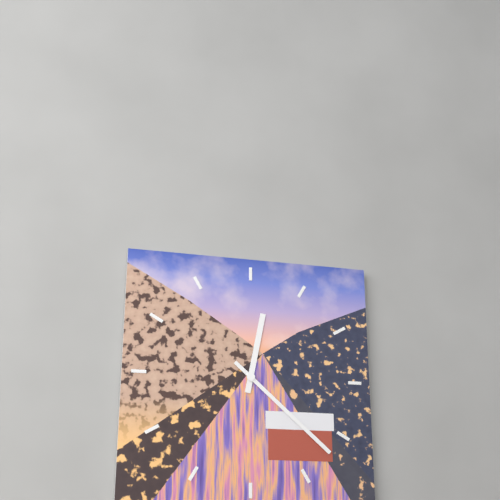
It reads 12h22
